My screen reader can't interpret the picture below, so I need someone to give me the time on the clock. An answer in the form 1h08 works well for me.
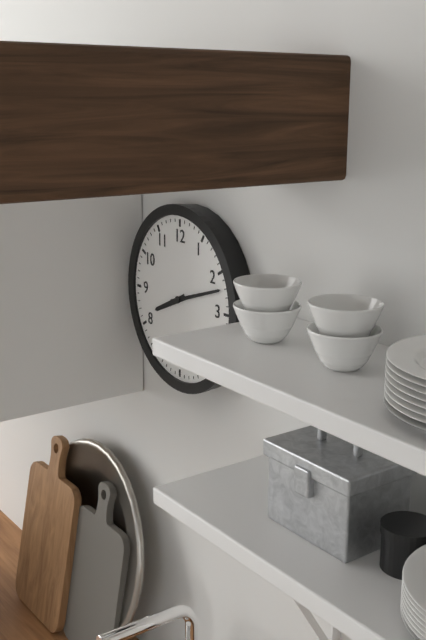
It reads 8h12
